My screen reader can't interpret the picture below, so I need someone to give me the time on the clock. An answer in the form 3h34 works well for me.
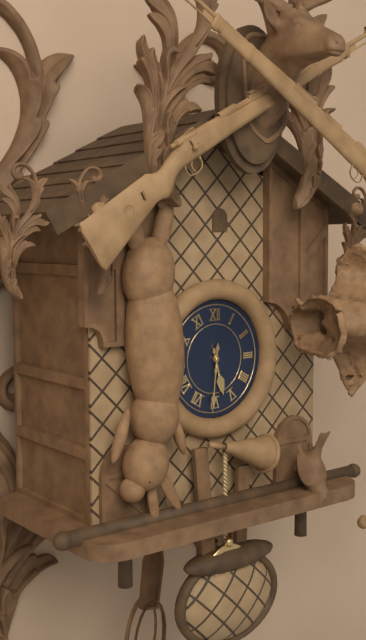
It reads 5h31
